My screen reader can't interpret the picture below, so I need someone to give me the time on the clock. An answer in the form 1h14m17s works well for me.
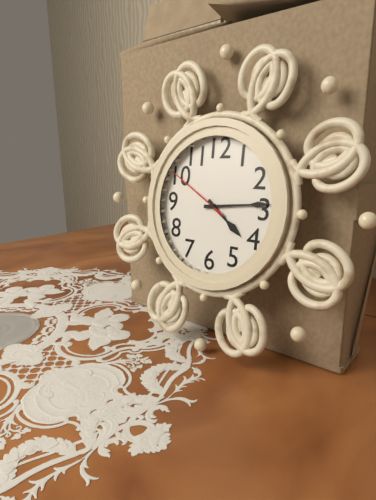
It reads 4h14m50s
